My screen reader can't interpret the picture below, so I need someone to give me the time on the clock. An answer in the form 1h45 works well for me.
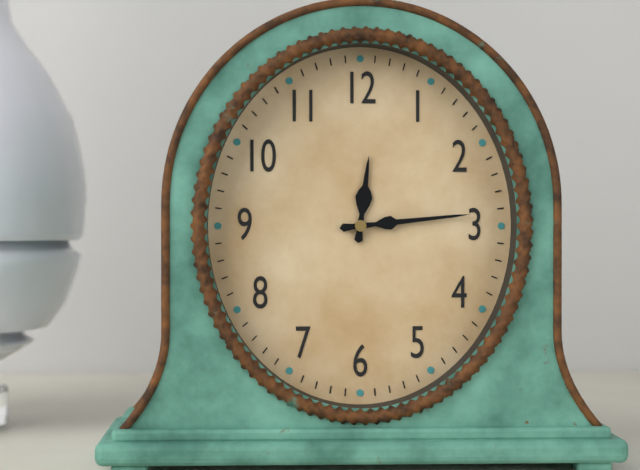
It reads 12h14
